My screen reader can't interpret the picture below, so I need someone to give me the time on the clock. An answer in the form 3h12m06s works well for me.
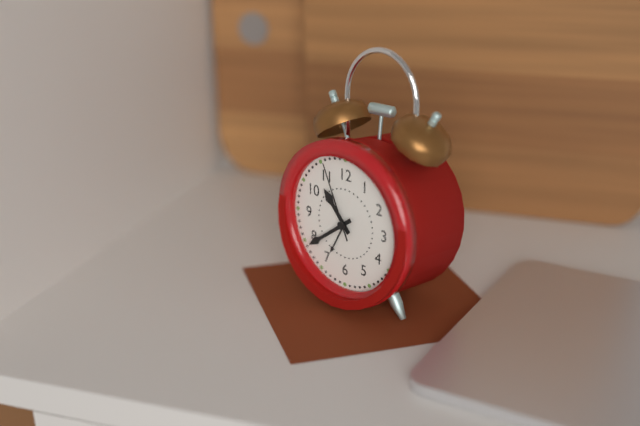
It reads 10h39m56s
